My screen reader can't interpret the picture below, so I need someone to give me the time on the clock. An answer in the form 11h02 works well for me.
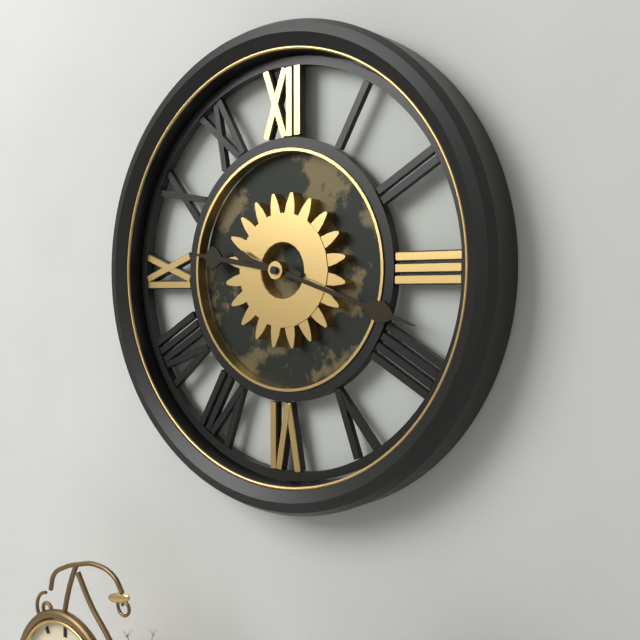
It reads 9h18
